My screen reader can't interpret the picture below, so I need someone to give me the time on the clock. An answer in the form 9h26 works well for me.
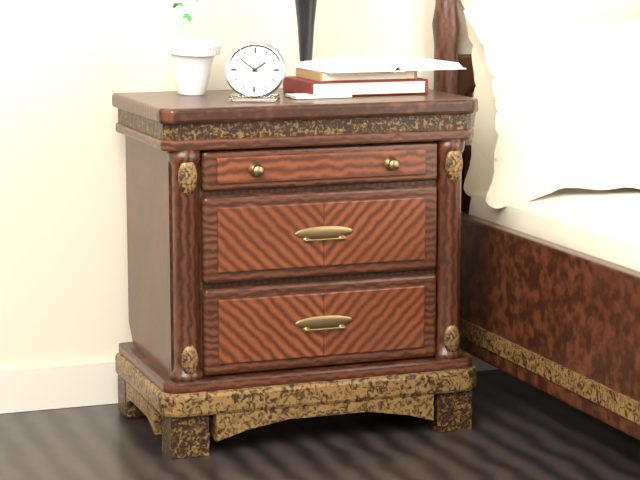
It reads 1h51
